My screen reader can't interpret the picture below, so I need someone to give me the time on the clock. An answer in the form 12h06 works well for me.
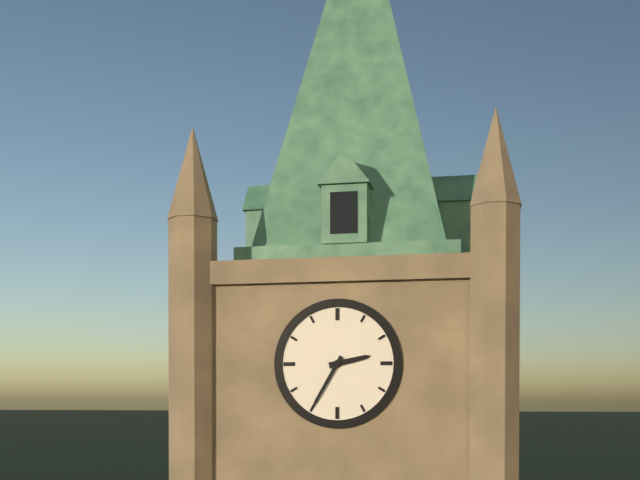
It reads 2h35
